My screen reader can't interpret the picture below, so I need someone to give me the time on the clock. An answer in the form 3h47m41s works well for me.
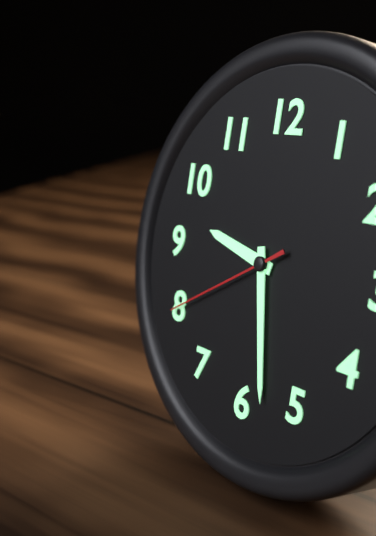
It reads 9h28m40s
